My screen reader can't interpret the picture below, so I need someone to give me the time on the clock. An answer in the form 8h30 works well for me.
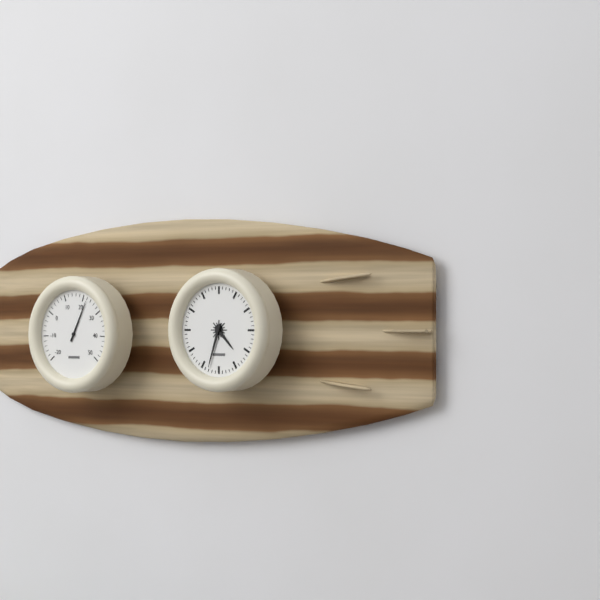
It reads 4h33
